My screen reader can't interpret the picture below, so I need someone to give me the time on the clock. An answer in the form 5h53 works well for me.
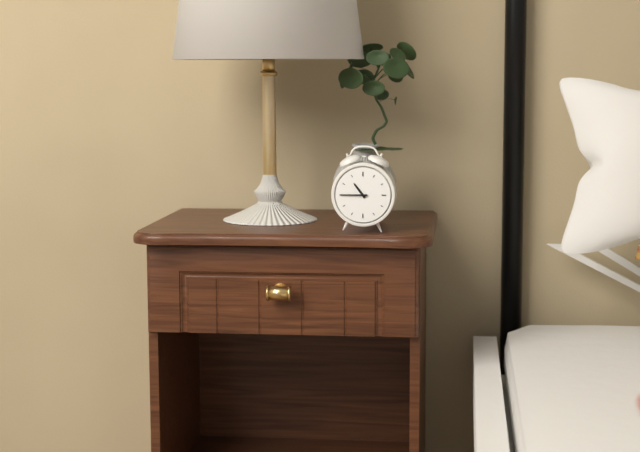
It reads 10h45
